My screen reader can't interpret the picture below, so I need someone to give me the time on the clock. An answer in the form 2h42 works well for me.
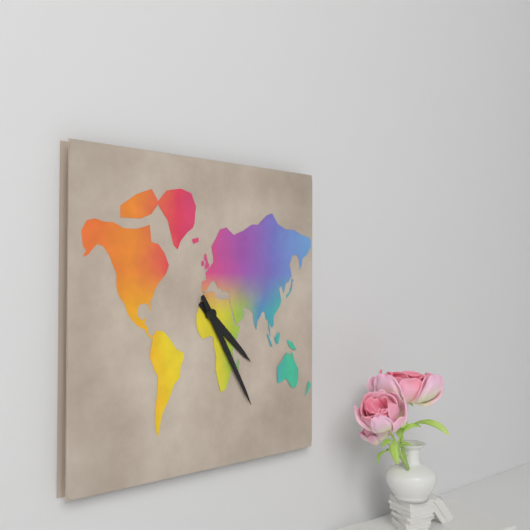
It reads 4h25
